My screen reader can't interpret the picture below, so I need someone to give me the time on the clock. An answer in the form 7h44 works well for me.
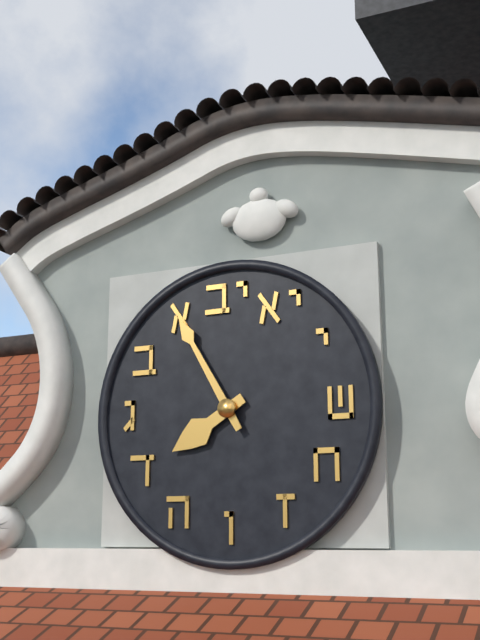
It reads 7h55
